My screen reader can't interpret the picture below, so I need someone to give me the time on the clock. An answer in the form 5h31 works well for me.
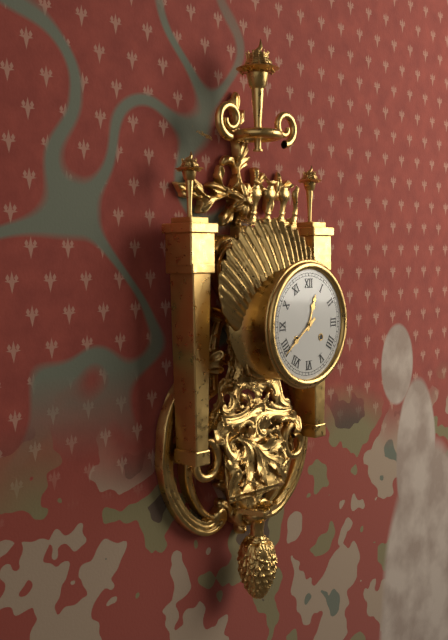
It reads 12h39
